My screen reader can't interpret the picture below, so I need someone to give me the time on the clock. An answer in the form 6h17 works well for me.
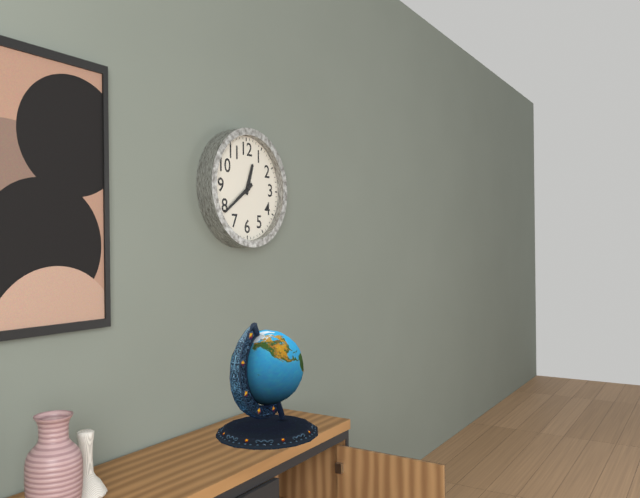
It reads 12h39
